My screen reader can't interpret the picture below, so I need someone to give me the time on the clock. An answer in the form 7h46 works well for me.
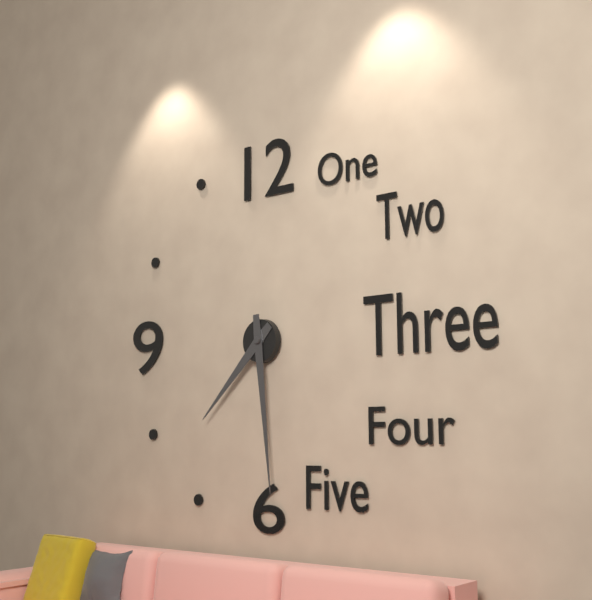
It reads 7h29
